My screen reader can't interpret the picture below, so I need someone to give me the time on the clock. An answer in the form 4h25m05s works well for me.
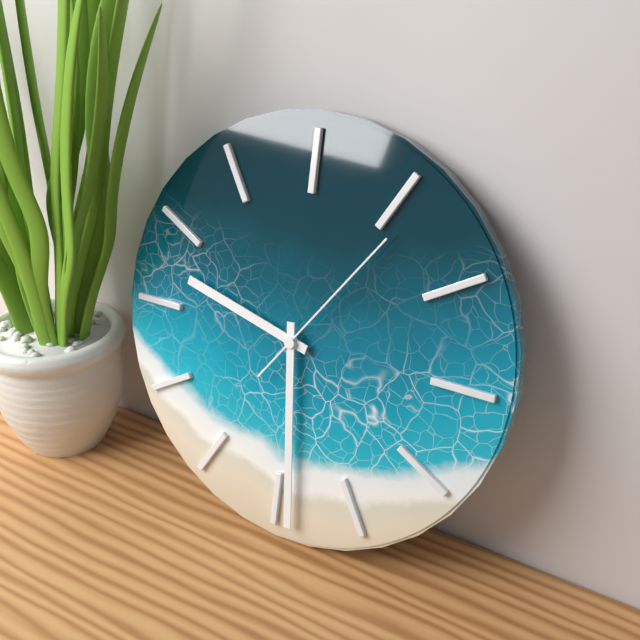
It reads 9h29m06s
